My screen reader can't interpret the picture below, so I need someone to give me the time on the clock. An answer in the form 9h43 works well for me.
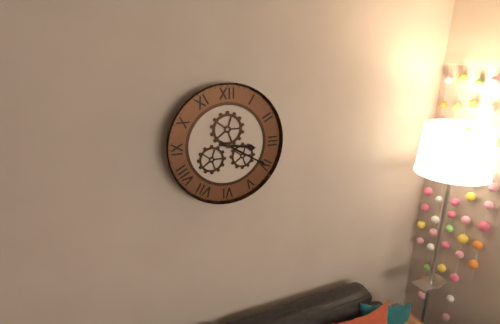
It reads 3h20
